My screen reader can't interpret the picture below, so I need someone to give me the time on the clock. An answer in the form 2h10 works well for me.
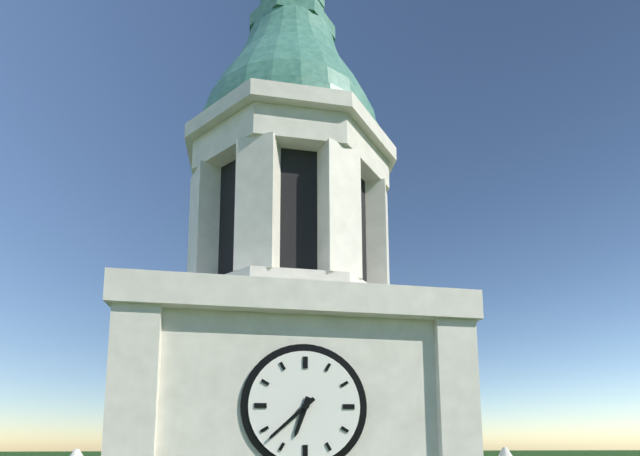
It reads 6h38
